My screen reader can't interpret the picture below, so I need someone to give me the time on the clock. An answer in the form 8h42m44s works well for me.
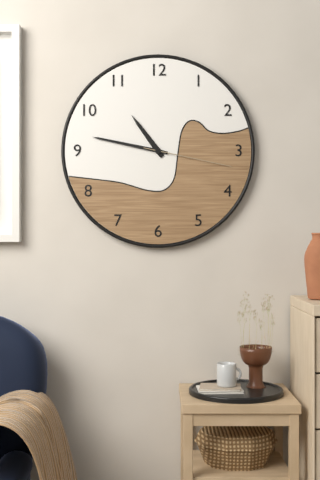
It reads 10h47m17s
